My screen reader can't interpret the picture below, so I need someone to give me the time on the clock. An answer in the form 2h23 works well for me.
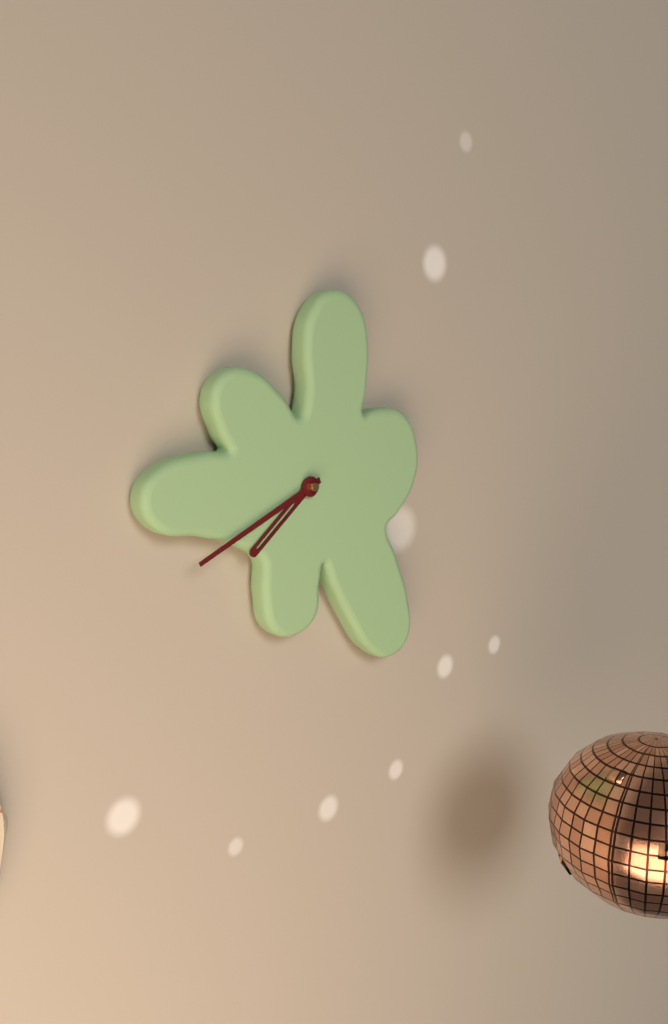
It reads 7h41
